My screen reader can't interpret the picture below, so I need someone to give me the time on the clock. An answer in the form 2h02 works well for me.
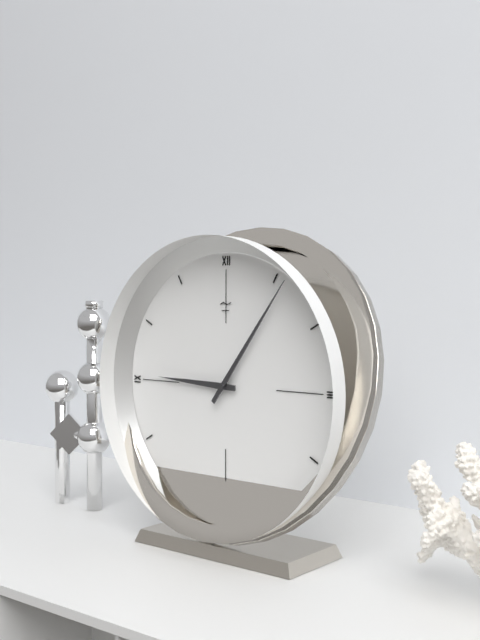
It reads 9h06
